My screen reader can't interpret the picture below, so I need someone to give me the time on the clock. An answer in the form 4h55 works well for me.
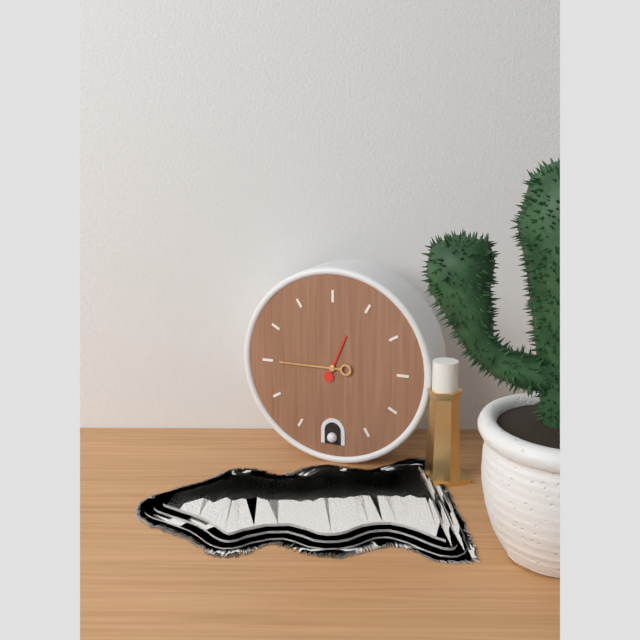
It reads 12h45
